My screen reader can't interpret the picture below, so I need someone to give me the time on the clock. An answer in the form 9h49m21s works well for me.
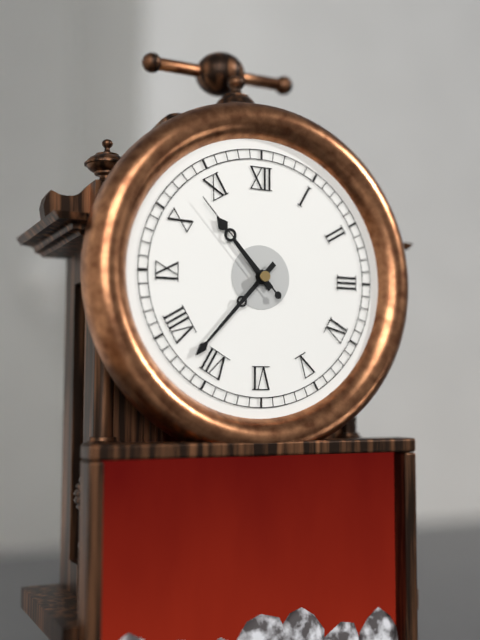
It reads 10h37m53s
